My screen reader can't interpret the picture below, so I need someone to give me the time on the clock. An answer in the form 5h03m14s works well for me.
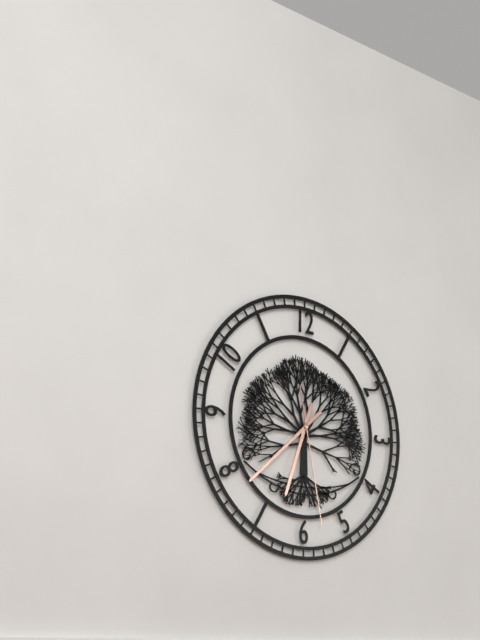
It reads 6h38m28s
